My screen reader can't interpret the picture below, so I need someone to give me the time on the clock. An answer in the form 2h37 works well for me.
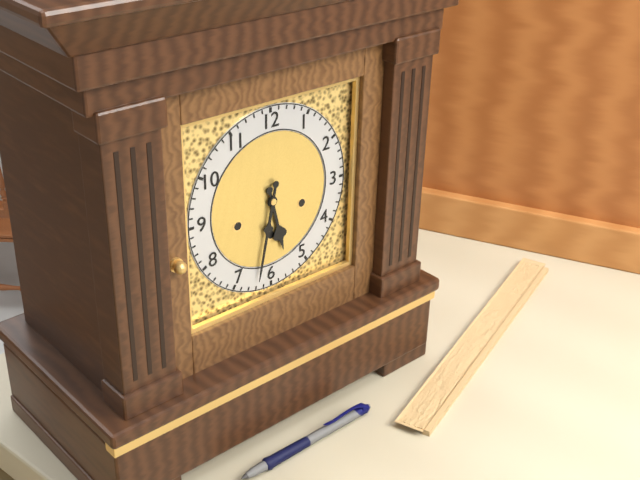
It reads 5h32
